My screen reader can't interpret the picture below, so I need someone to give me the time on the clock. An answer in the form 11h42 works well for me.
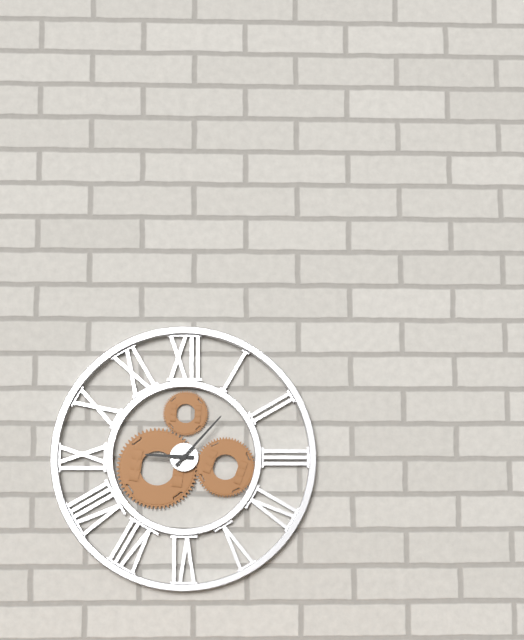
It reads 9h07
